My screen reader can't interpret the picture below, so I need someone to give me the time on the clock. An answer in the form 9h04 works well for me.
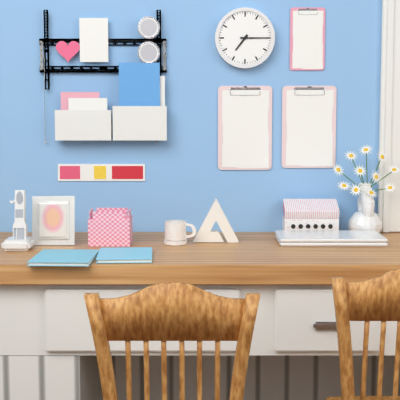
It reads 7h15
